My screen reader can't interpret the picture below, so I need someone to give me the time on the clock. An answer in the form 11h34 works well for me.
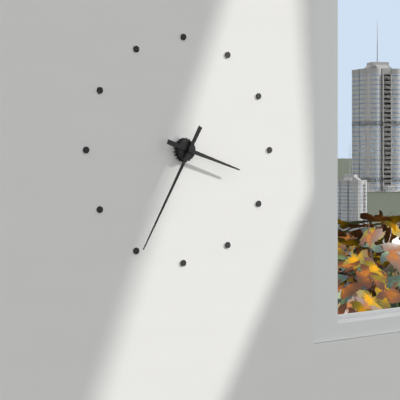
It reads 3h35
